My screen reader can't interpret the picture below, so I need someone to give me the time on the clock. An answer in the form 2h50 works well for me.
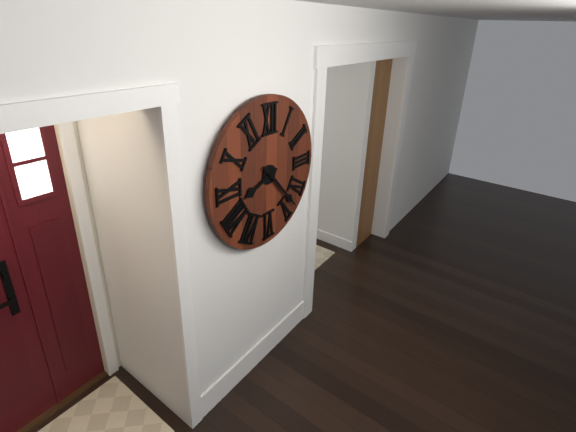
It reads 8h23
